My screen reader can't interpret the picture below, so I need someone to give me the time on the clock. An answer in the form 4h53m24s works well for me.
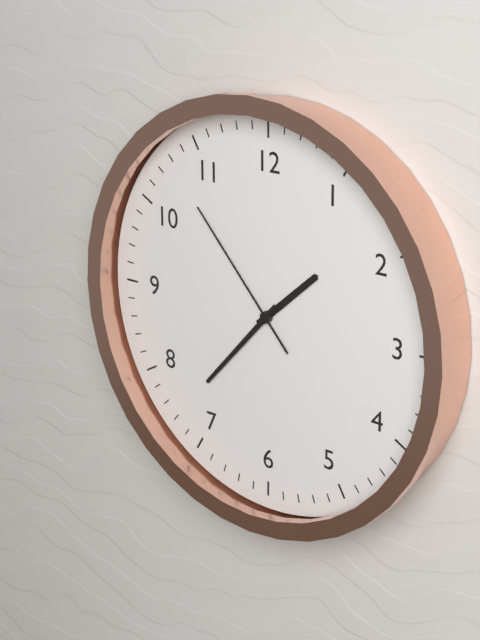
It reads 1h37m53s
